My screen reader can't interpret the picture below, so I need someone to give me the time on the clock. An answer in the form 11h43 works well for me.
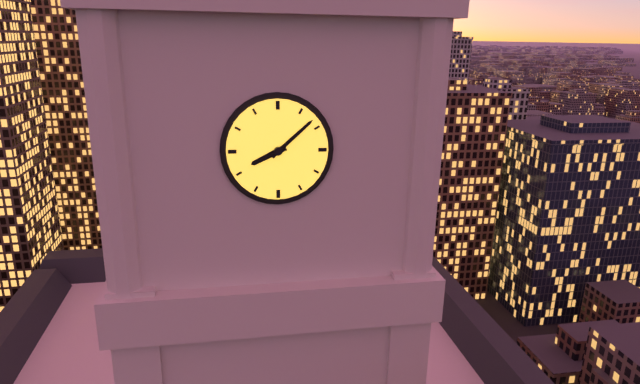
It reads 8h08
